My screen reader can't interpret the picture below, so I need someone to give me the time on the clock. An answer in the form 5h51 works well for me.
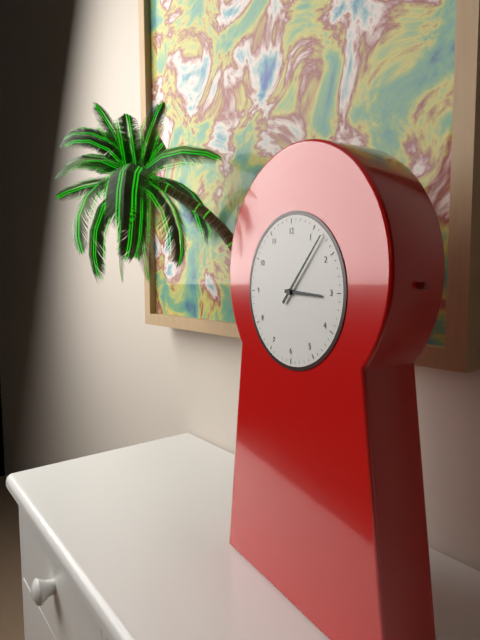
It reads 3h07
